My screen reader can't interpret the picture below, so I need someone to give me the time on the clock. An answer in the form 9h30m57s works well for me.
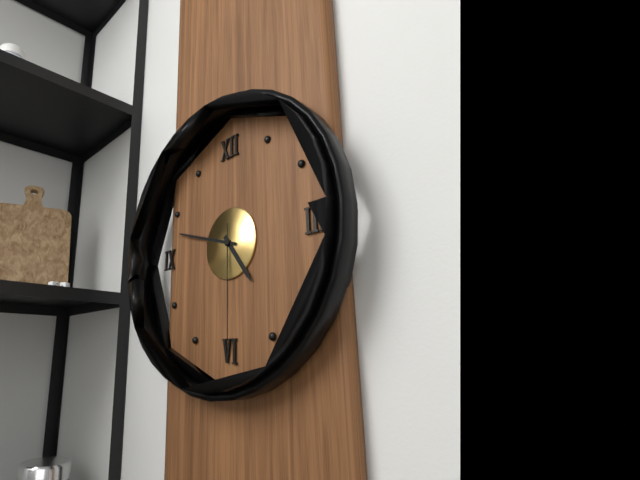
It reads 4h48m30s
